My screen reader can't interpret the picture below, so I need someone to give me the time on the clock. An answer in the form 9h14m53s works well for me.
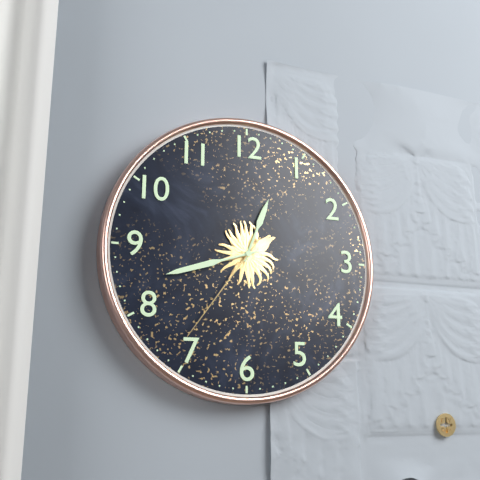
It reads 12h42m36s
